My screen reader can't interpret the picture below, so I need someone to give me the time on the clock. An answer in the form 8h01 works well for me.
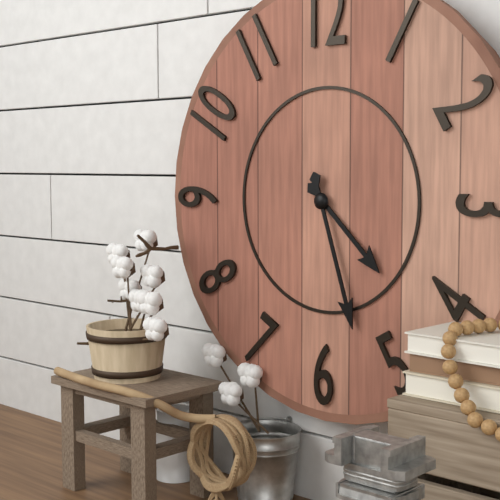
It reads 4h27
